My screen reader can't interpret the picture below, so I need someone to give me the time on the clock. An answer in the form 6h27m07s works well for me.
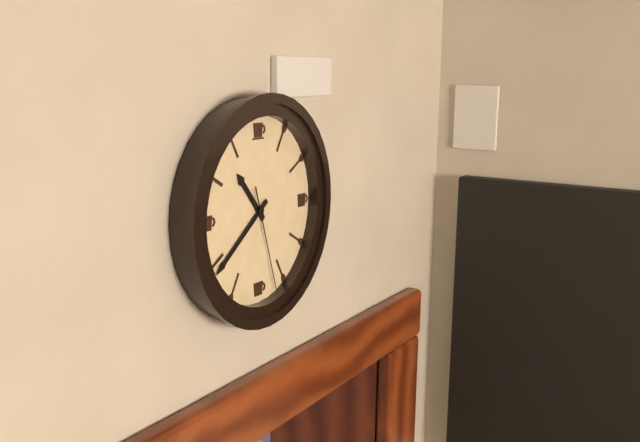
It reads 10h39m27s
